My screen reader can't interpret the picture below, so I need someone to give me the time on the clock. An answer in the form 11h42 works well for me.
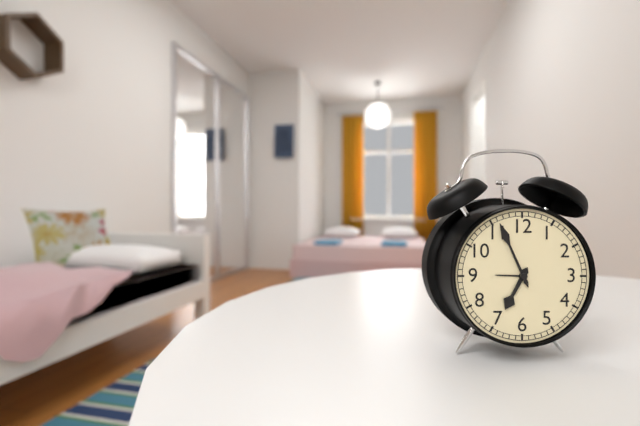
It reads 6h56
